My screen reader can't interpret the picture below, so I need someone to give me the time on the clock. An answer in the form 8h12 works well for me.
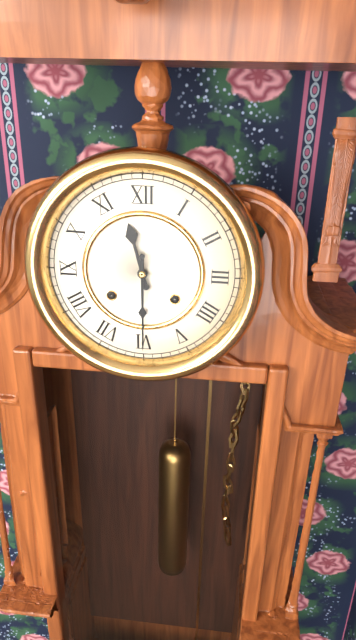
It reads 11h30
